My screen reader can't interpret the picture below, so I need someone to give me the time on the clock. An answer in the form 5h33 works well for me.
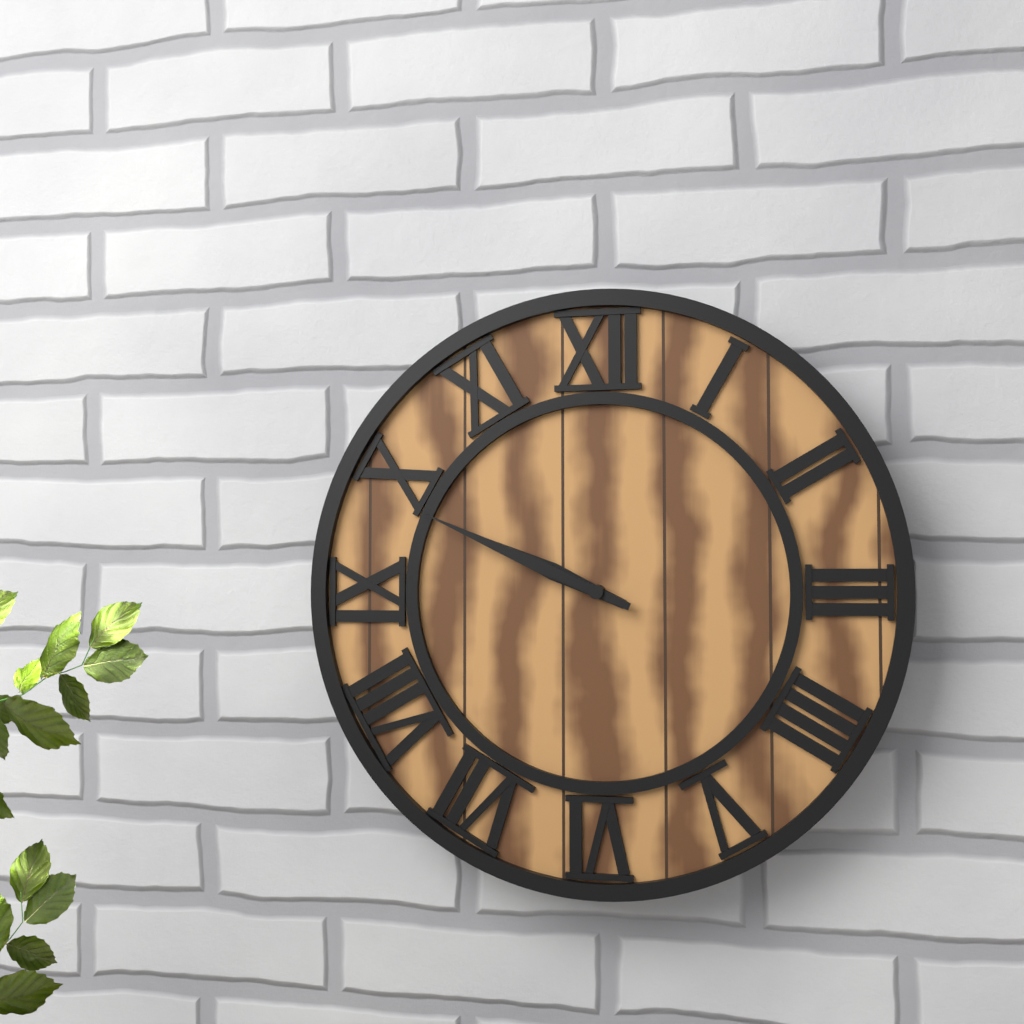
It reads 9h49
